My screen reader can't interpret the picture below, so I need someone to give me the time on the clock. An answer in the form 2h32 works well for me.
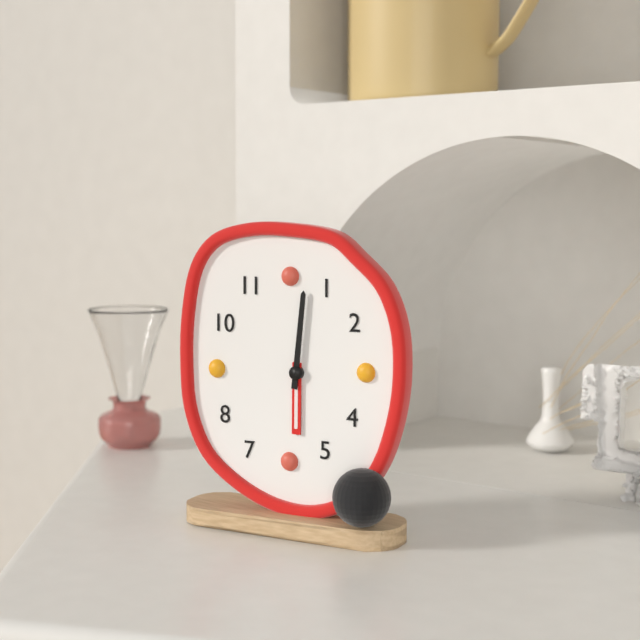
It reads 6h01
